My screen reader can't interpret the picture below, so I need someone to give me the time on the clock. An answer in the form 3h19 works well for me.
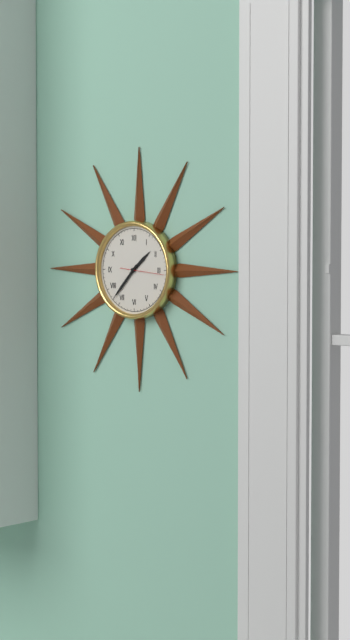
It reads 1h37
